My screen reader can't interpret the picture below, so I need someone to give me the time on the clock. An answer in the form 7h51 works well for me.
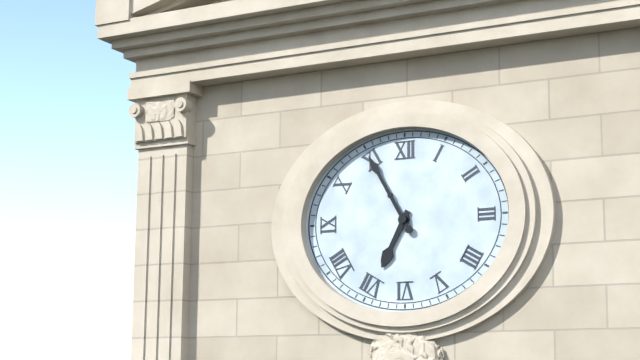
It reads 6h55
